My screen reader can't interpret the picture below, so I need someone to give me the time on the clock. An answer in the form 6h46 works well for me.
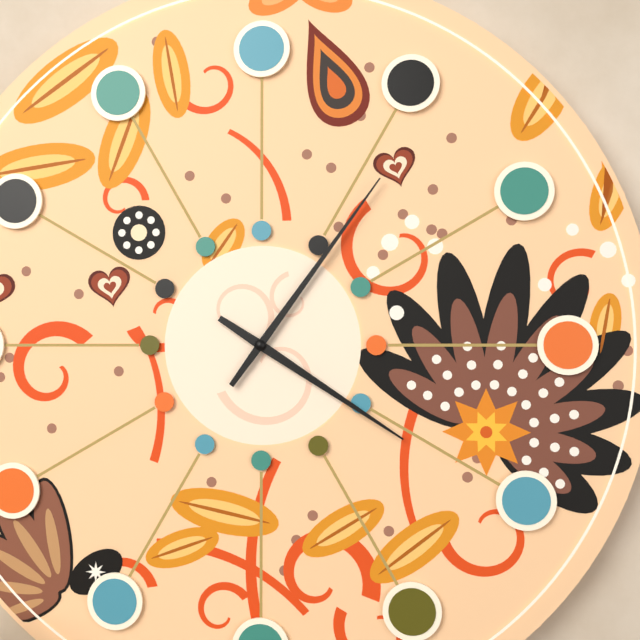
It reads 4h06
